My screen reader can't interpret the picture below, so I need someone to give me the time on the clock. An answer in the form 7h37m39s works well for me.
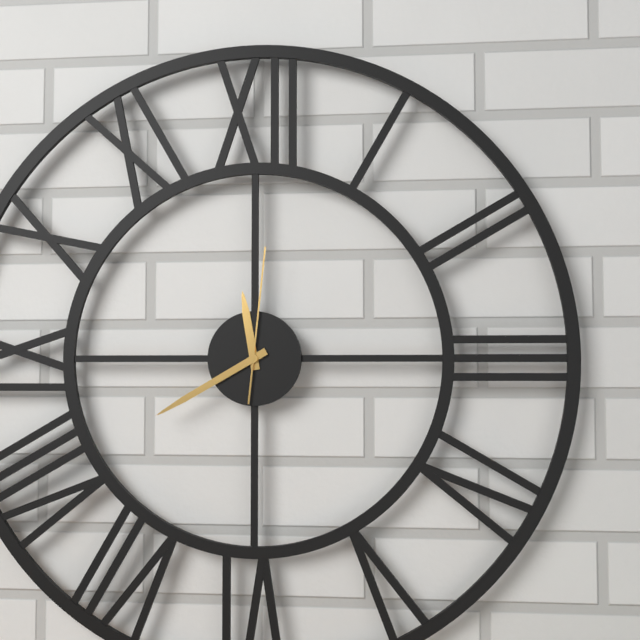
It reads 11h40m01s
